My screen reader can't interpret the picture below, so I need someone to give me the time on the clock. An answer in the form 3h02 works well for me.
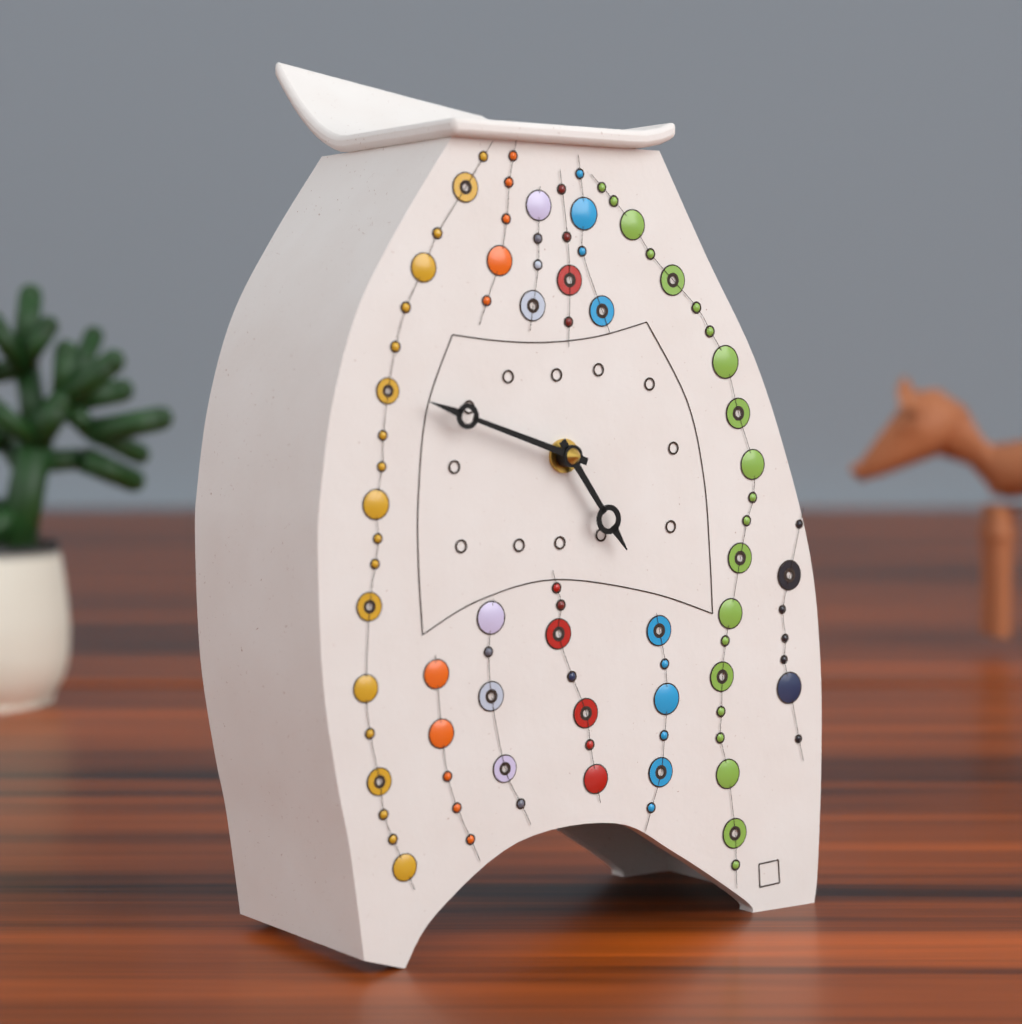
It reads 4h48
